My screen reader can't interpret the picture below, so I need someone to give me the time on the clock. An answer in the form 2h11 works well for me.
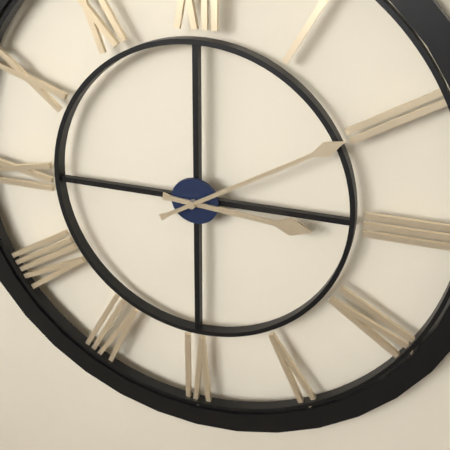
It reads 3h10
